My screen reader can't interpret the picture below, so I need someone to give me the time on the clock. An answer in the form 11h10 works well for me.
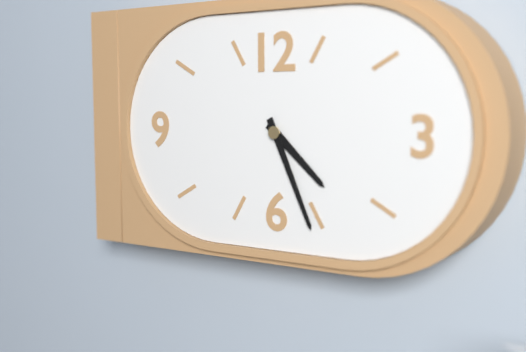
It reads 4h26
